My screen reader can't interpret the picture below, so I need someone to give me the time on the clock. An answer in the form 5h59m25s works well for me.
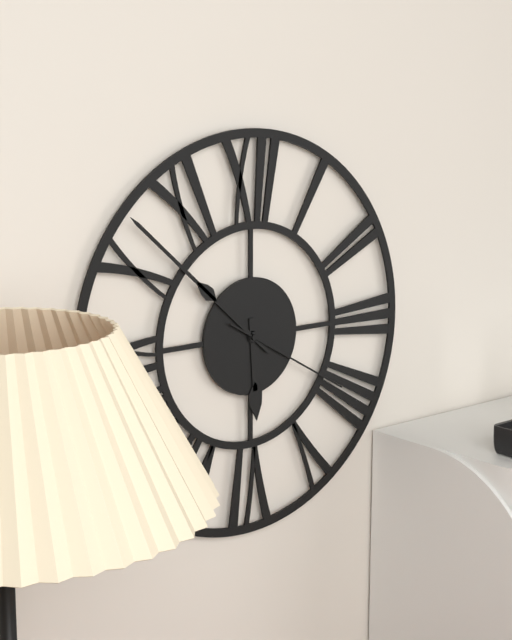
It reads 5h52m20s
